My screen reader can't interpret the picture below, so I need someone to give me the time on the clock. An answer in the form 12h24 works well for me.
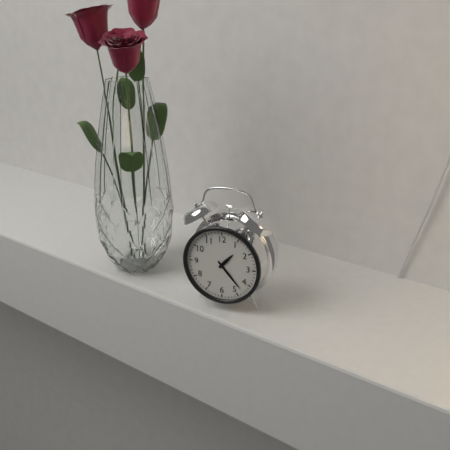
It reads 1h23
